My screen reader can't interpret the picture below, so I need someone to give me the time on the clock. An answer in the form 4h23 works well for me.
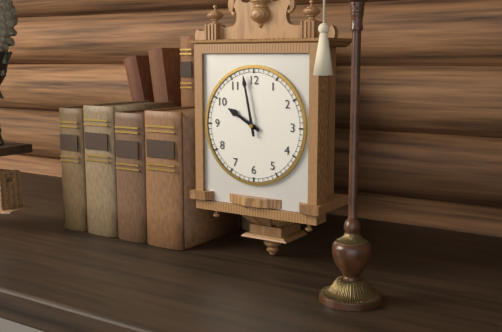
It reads 9h58
